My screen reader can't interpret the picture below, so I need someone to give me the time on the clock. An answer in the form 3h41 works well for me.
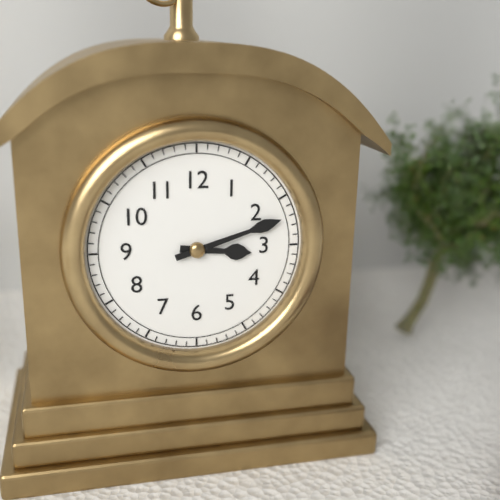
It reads 3h12
